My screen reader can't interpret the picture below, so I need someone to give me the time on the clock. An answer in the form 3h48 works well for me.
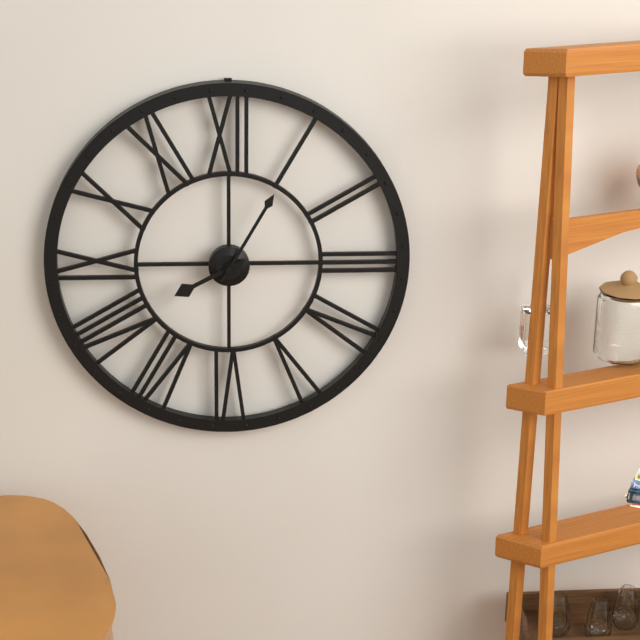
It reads 8h05
